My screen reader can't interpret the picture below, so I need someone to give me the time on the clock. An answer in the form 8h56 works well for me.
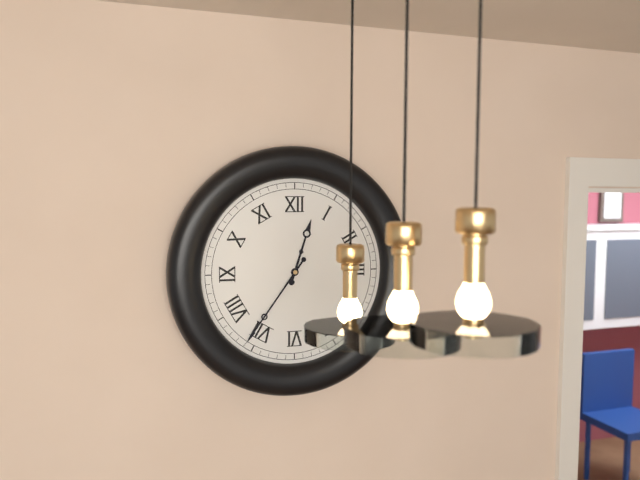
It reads 12h36
